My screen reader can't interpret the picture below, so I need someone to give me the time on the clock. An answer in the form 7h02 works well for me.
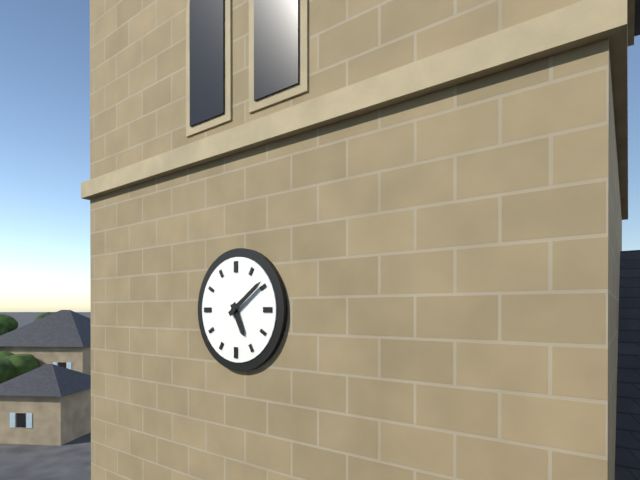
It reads 5h09
